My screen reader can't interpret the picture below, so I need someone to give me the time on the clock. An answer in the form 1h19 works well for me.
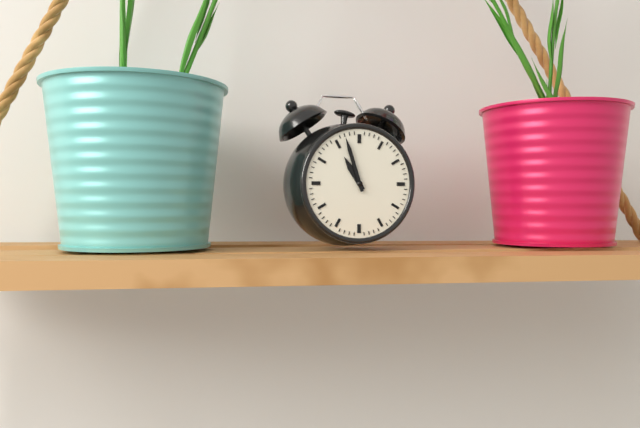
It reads 10h57
